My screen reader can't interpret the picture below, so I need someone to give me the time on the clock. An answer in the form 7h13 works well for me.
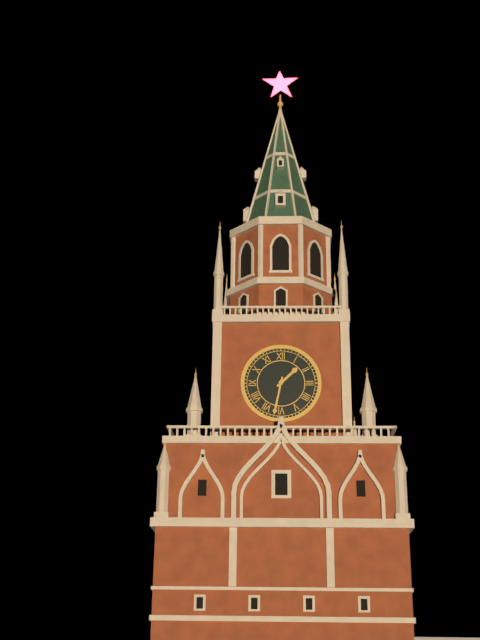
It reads 1h32
